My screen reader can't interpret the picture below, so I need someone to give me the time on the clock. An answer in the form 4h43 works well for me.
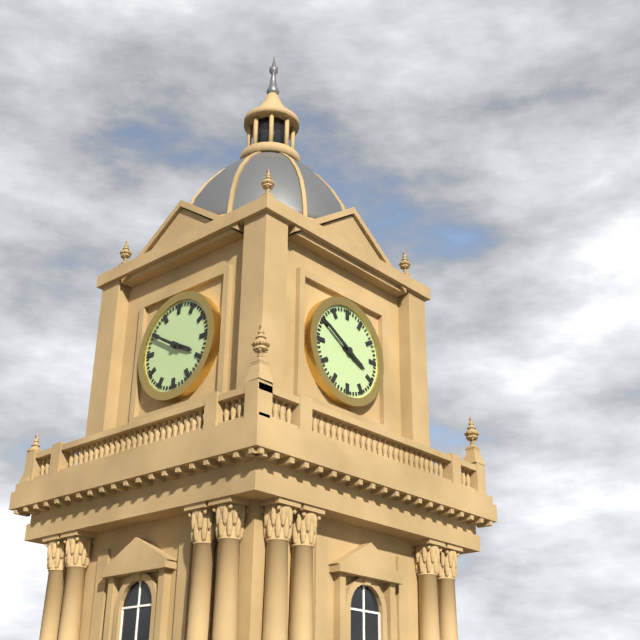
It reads 3h50
